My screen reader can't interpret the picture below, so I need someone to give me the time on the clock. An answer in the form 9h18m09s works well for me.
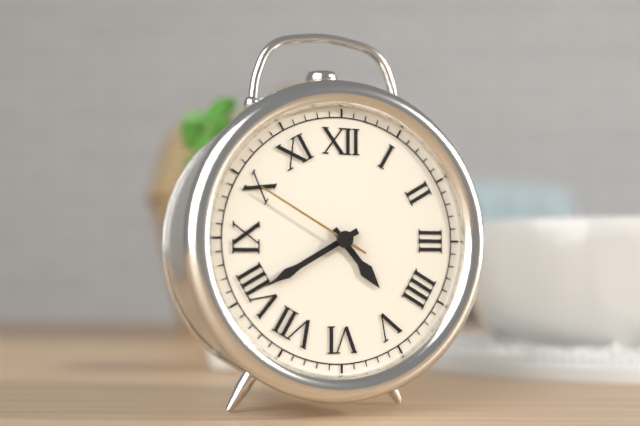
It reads 4h40m50s
